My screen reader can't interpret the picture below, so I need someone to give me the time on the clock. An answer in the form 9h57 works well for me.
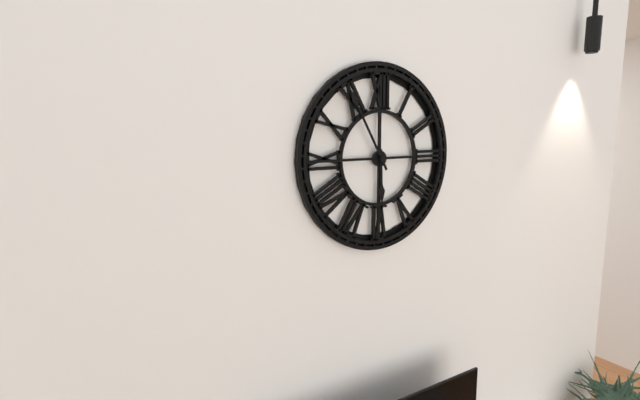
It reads 5h55
